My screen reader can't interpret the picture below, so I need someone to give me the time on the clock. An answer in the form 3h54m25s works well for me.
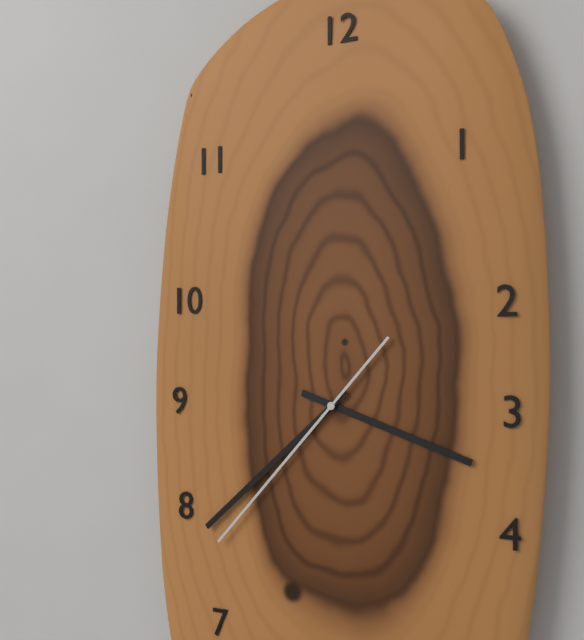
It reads 3h38m37s
